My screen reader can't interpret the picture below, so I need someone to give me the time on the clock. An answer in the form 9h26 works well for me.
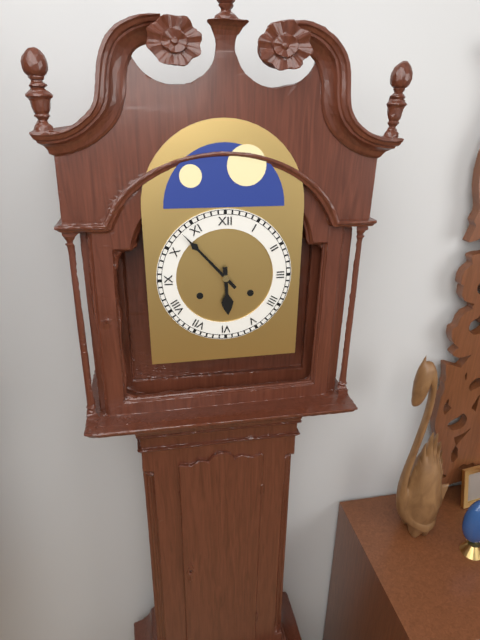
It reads 5h53
